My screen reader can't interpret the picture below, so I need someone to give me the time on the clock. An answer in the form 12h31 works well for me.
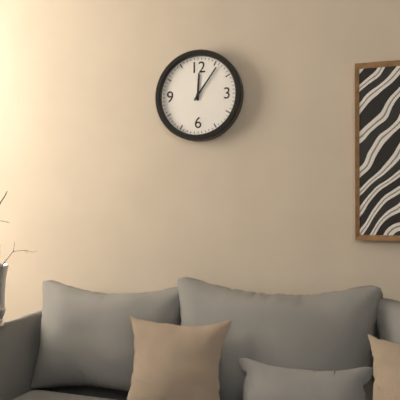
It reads 12h06
